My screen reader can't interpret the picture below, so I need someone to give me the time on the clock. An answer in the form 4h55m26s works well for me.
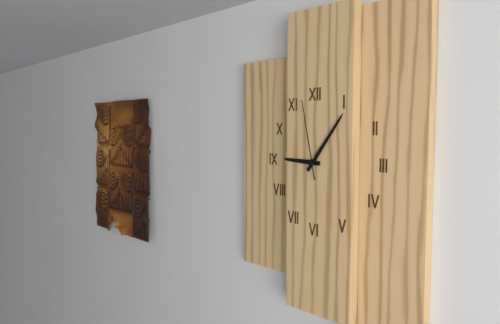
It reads 9h06m58s
